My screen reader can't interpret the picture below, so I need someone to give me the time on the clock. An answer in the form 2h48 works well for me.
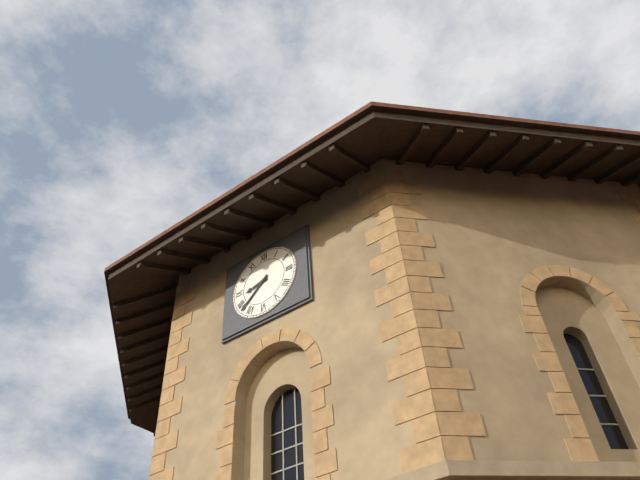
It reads 8h38
